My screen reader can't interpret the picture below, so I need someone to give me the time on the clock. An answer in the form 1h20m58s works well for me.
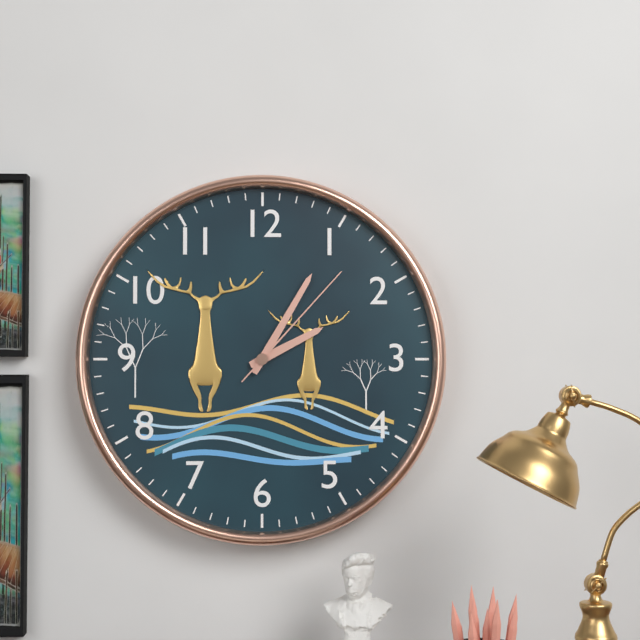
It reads 2h05m07s
